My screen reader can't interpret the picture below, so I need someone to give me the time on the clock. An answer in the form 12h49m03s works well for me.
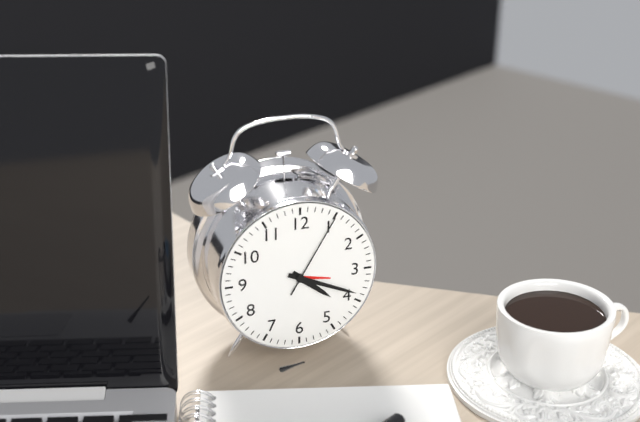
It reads 4h19m05s
